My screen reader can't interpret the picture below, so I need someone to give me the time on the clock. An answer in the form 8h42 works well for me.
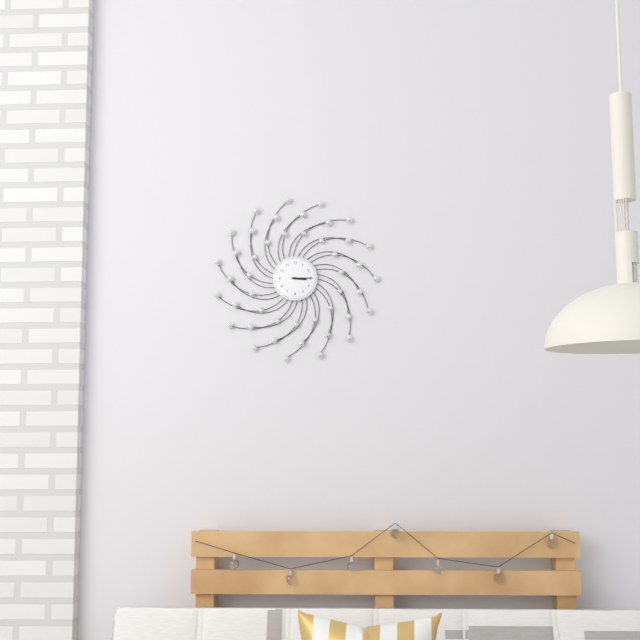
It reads 3h15
